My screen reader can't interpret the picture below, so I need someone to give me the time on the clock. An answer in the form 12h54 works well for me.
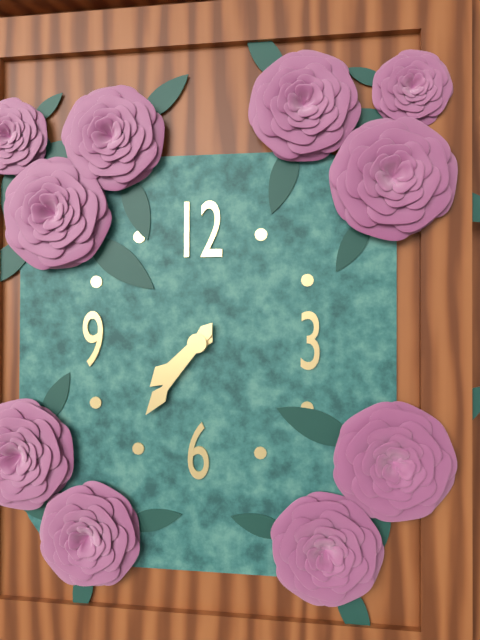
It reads 7h36
